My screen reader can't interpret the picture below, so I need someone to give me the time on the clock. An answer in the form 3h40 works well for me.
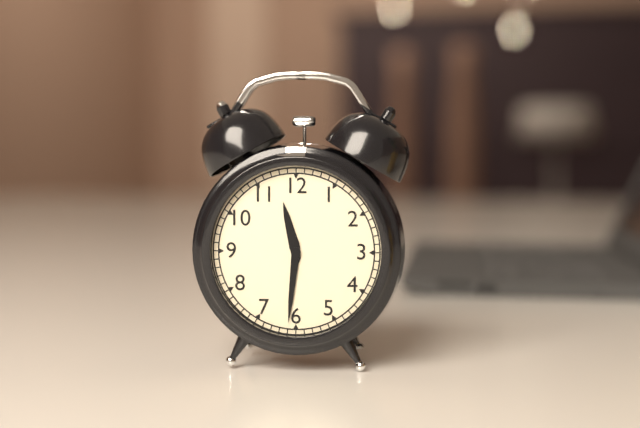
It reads 11h31
